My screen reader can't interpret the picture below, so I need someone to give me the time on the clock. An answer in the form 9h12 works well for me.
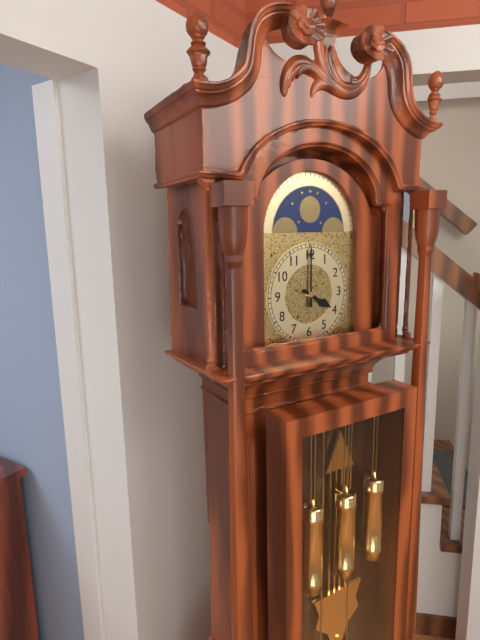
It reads 4h00
